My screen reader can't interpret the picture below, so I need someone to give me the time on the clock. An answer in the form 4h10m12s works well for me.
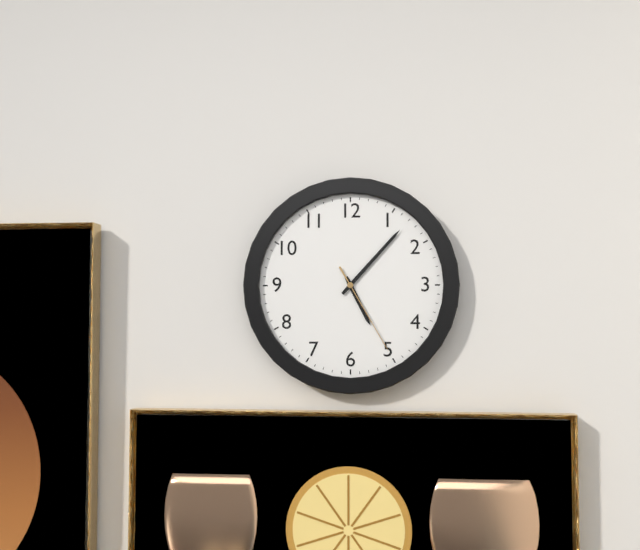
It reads 5h07m25s
